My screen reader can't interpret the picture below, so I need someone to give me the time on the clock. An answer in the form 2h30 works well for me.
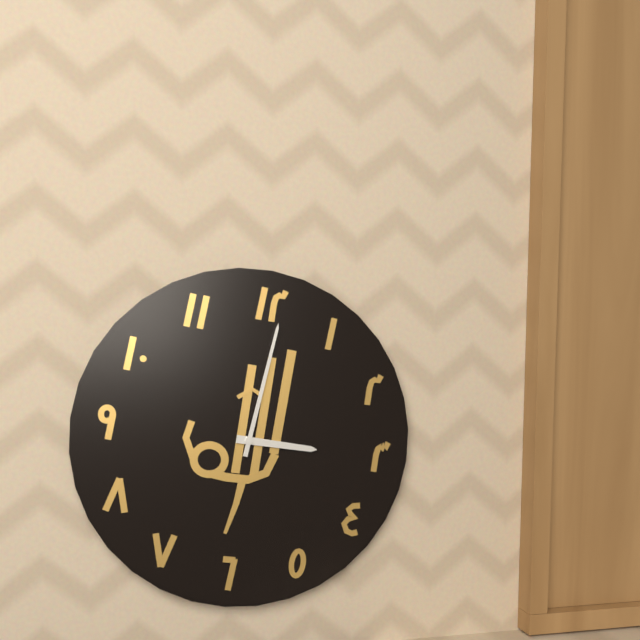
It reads 3h01
